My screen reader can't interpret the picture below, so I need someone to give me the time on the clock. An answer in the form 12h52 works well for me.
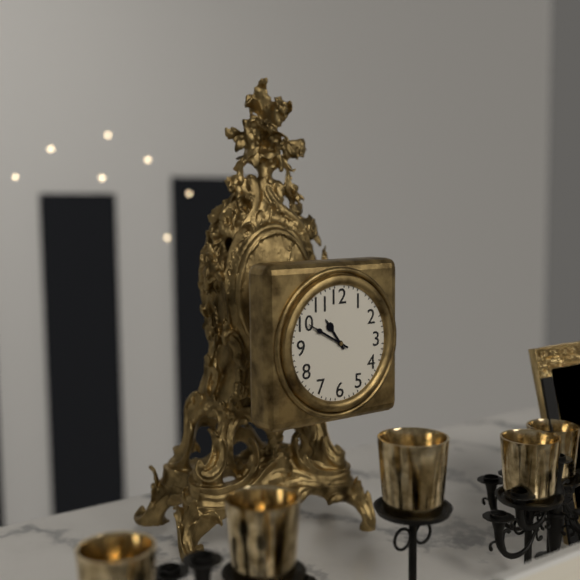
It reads 10h50
